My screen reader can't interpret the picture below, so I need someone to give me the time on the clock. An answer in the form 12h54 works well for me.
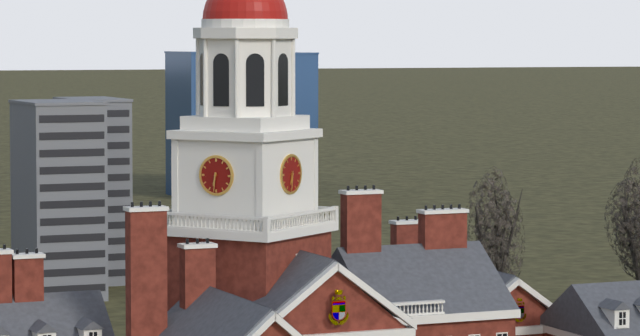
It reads 6h31
